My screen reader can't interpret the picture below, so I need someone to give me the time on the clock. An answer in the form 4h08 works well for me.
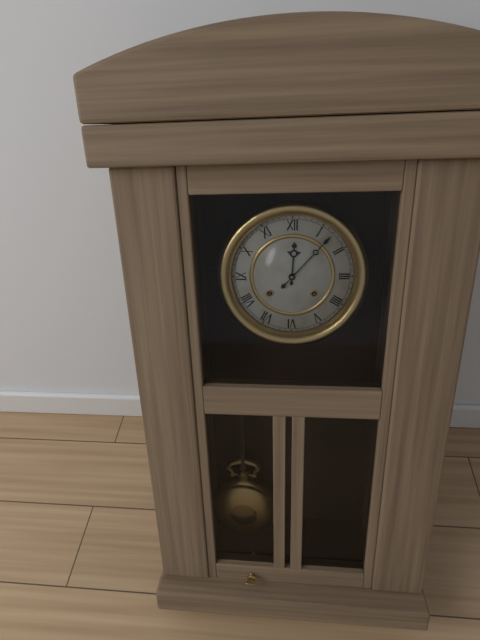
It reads 12h07
